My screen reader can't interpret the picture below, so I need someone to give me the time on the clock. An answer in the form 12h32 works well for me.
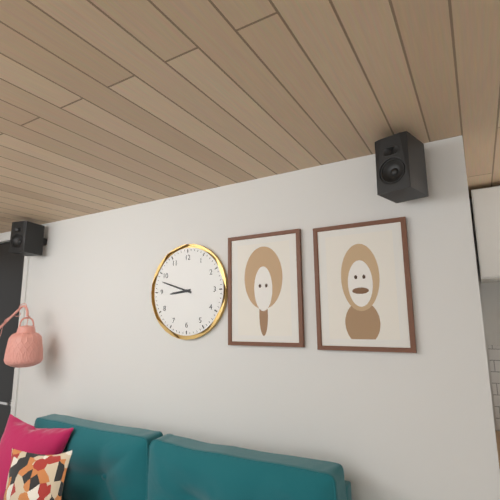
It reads 8h48
